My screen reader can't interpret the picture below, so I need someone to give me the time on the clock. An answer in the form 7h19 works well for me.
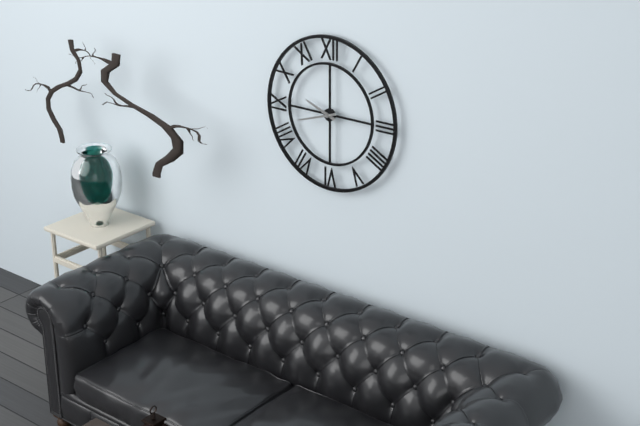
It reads 9h42
